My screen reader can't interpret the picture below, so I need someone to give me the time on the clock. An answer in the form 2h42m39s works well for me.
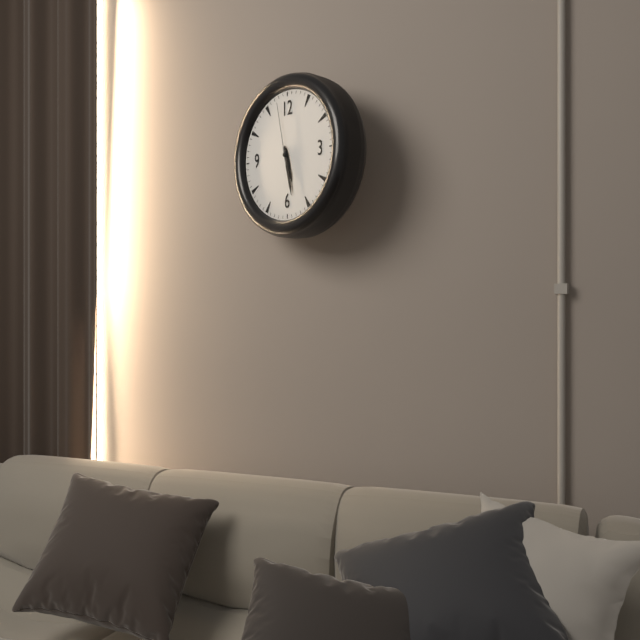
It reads 5h28m58s
